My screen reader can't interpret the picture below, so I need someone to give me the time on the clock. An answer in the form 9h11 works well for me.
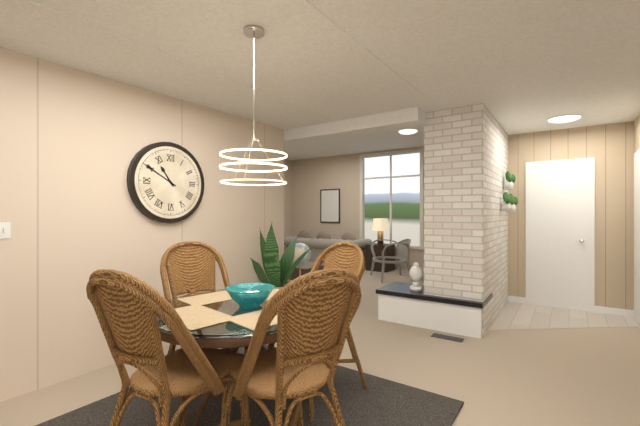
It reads 10h50
